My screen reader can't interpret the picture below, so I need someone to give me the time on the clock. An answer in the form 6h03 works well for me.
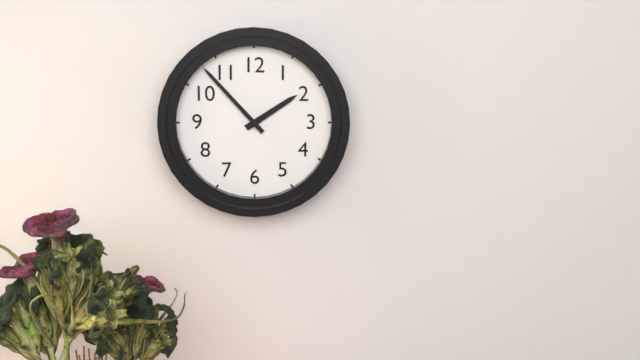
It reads 1h53
